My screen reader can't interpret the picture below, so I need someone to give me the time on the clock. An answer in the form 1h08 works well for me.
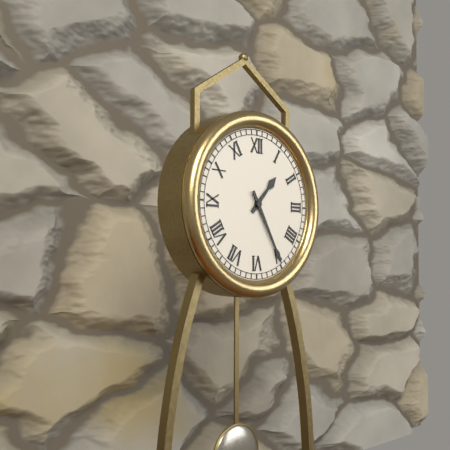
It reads 1h25
